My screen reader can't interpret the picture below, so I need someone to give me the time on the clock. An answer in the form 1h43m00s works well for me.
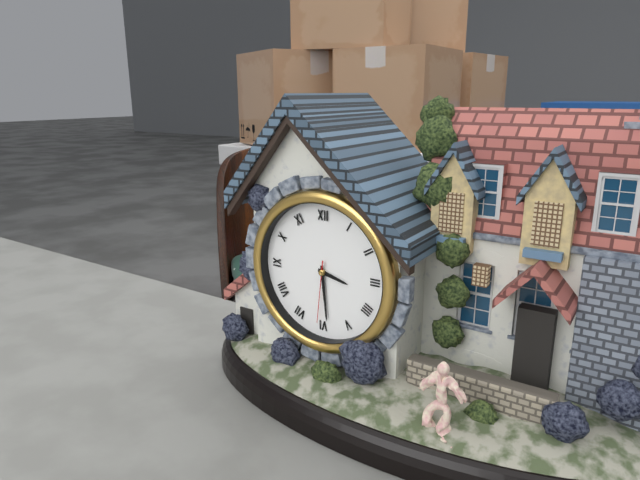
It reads 3h29m31s
